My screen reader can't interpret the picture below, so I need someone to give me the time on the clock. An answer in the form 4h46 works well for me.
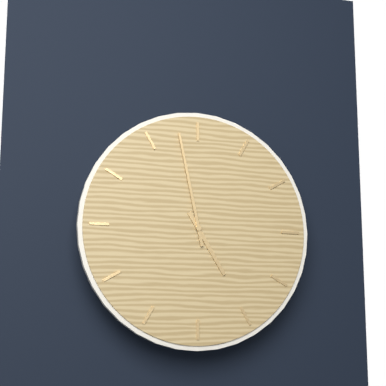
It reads 4h58
